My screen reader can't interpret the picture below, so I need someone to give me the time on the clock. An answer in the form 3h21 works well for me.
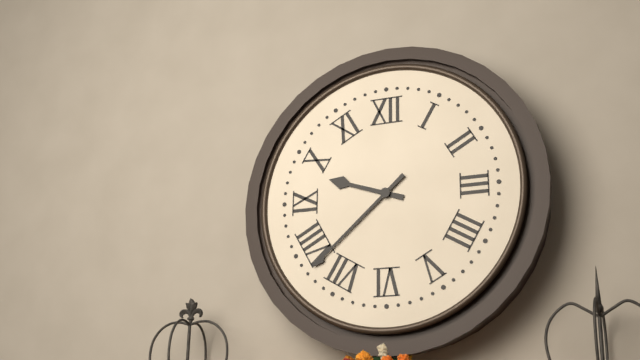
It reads 9h38
